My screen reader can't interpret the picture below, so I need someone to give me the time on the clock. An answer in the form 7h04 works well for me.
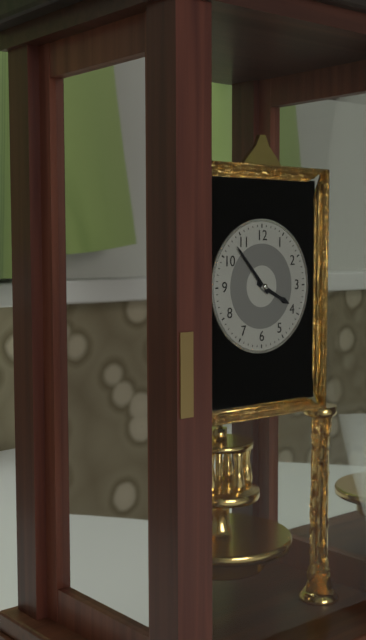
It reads 3h53
